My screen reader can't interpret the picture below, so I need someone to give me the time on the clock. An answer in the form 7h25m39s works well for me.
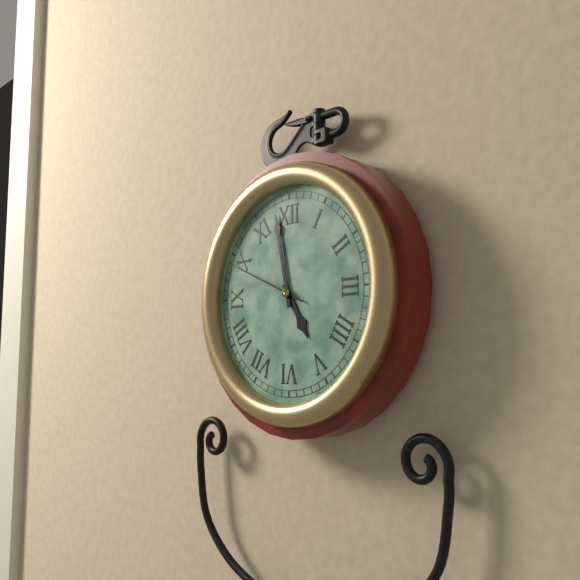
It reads 4h58m49s
